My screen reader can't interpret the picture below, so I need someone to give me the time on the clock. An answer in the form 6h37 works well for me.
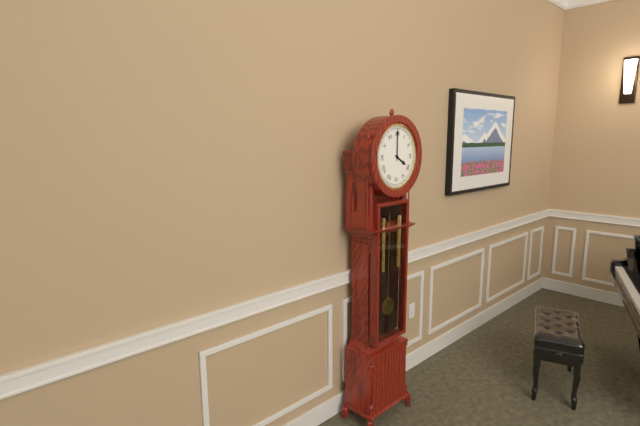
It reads 4h00
